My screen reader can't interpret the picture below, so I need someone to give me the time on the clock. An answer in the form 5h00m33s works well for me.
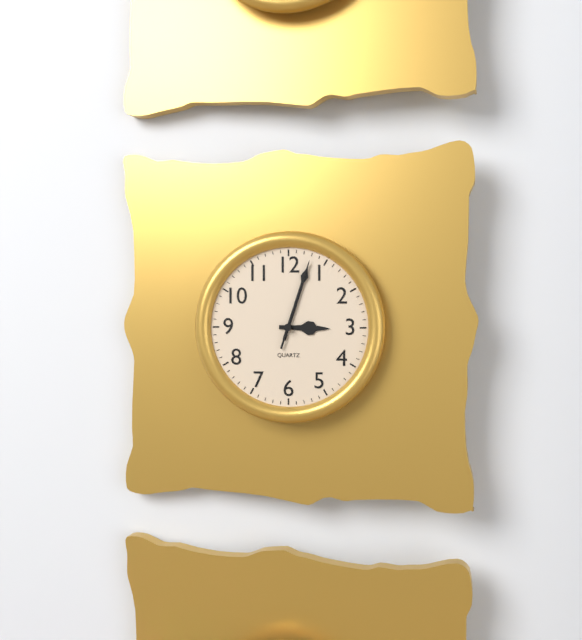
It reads 3h03m03s
